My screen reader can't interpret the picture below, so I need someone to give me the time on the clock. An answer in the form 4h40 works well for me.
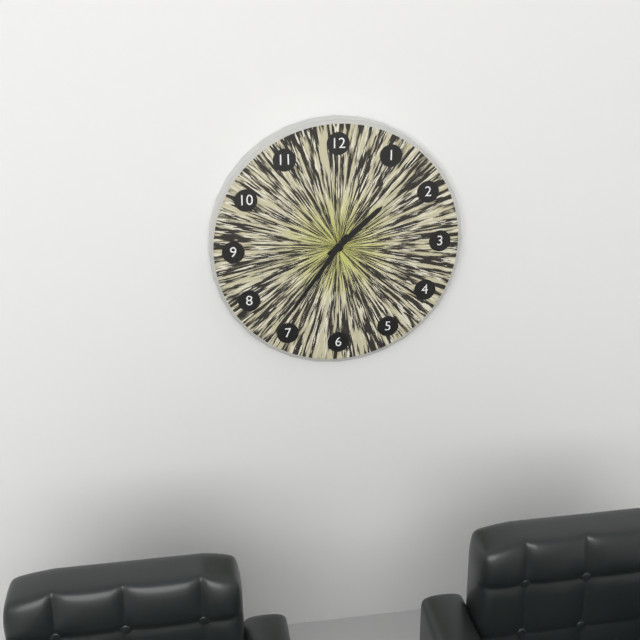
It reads 1h36
